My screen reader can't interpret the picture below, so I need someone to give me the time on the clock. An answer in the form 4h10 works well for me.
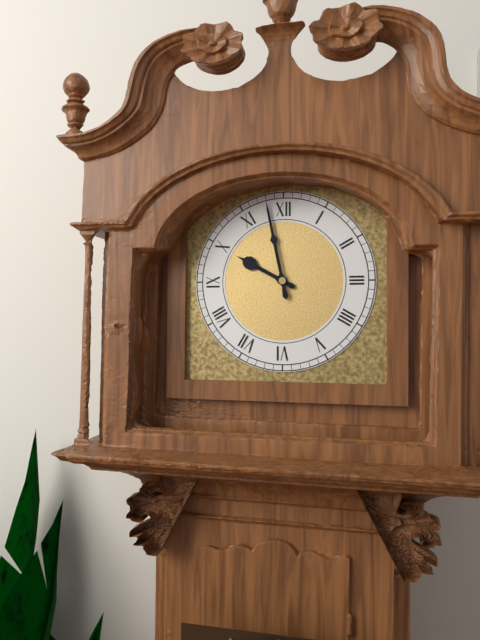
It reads 9h58
